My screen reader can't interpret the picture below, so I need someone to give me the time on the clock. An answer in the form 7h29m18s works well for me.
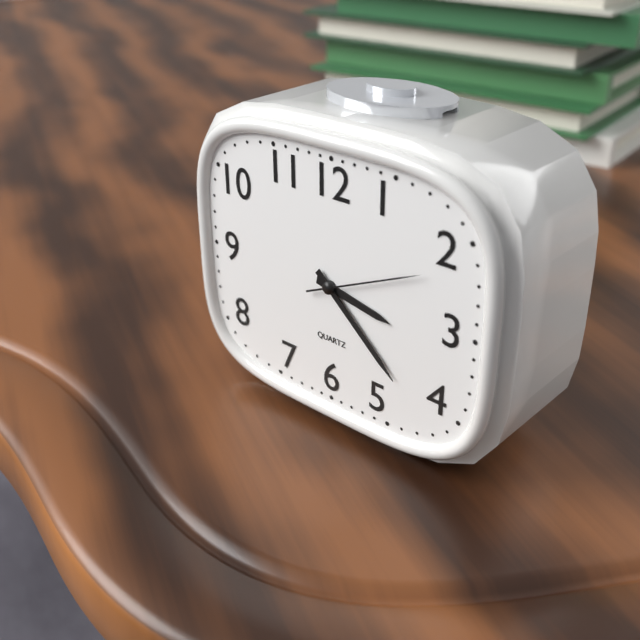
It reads 3h22m11s
